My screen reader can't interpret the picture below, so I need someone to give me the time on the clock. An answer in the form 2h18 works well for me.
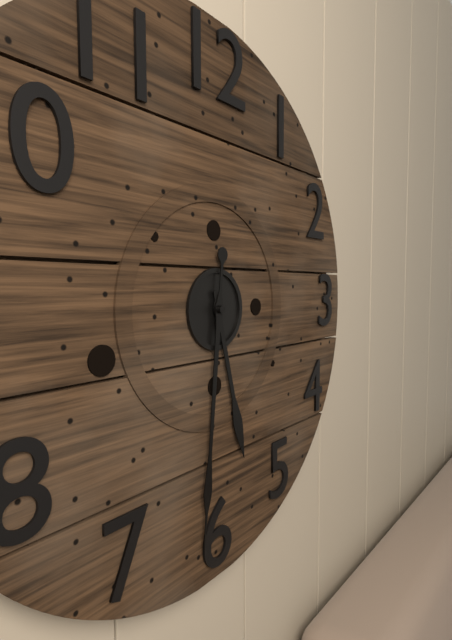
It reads 5h31
